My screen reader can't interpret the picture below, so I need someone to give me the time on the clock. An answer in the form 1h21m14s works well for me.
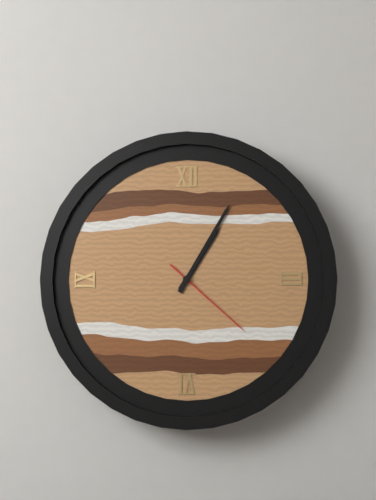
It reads 1h05m22s
